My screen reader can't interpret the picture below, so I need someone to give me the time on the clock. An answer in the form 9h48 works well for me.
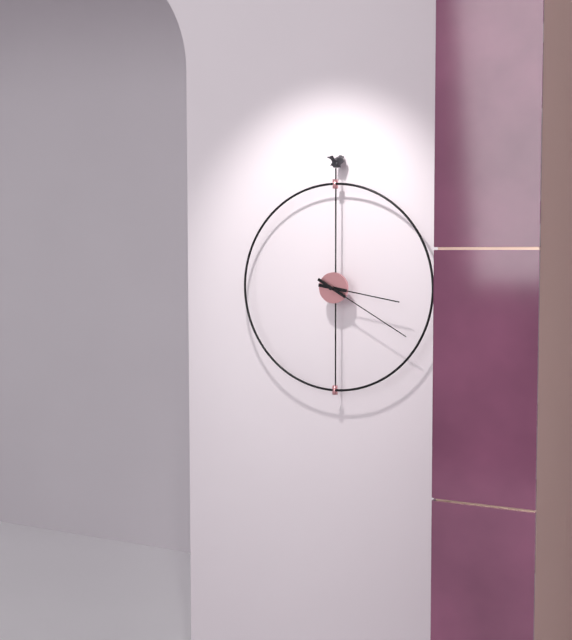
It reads 3h20
